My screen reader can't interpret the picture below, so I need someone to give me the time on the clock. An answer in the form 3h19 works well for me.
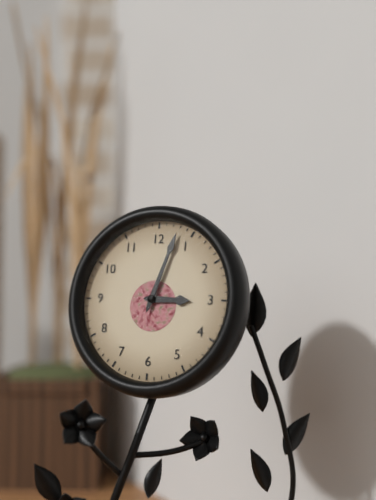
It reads 3h03
